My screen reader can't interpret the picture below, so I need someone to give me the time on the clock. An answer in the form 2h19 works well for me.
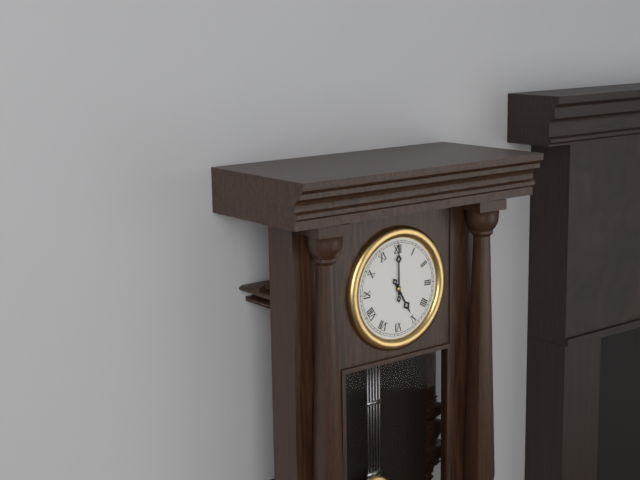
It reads 5h00
